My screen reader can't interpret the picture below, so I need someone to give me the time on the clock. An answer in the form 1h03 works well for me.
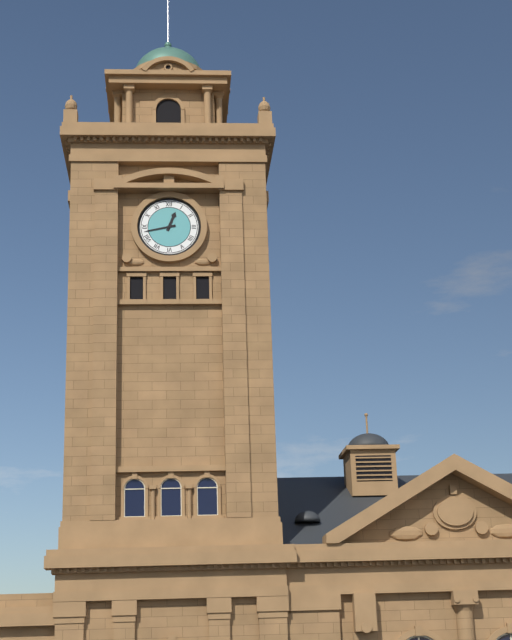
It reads 12h43
